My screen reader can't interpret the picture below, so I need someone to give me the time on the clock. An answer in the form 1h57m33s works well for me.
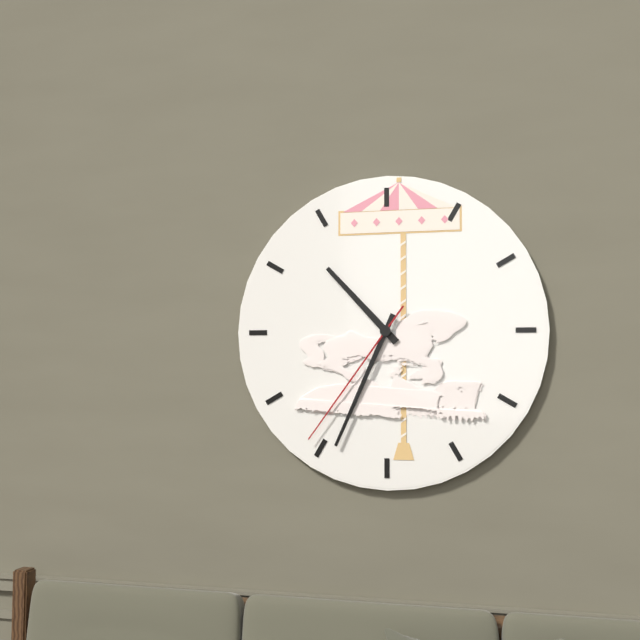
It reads 10h34m36s
